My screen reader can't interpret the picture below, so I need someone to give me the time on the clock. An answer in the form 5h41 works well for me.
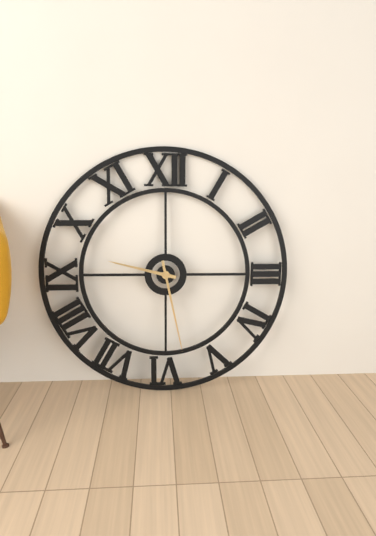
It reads 9h28
